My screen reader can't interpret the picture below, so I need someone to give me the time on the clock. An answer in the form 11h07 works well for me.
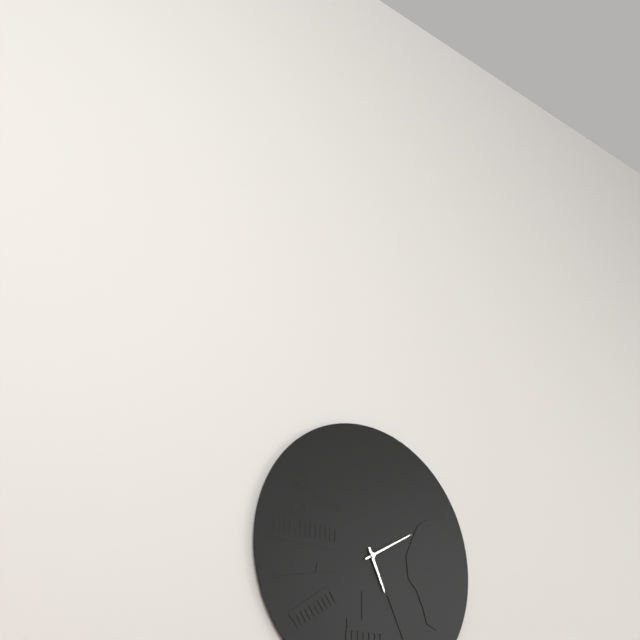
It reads 5h10
